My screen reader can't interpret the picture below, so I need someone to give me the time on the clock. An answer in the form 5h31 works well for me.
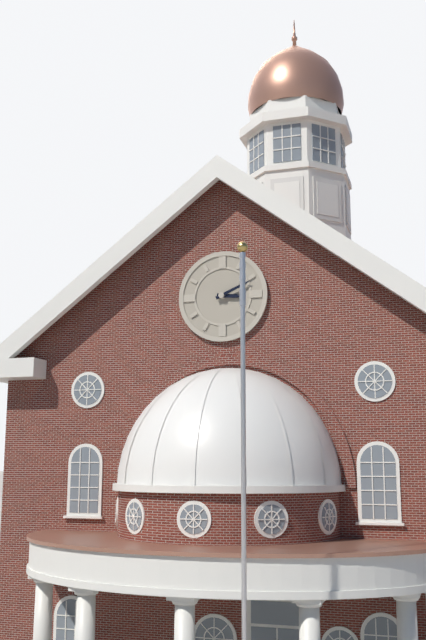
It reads 3h11
